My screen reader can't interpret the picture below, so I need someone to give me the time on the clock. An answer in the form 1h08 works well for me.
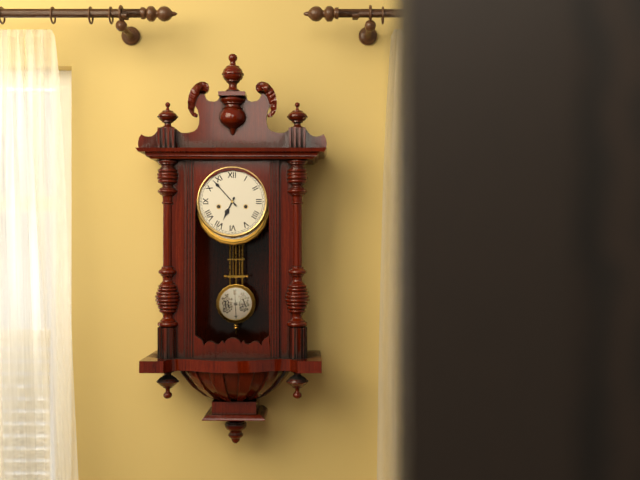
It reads 6h53
